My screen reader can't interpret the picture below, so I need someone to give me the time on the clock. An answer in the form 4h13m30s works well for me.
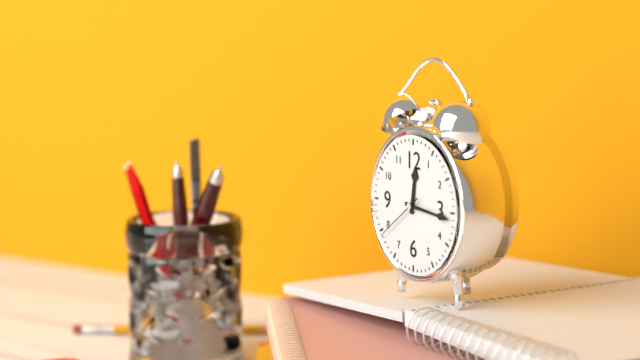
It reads 12h16m39s
